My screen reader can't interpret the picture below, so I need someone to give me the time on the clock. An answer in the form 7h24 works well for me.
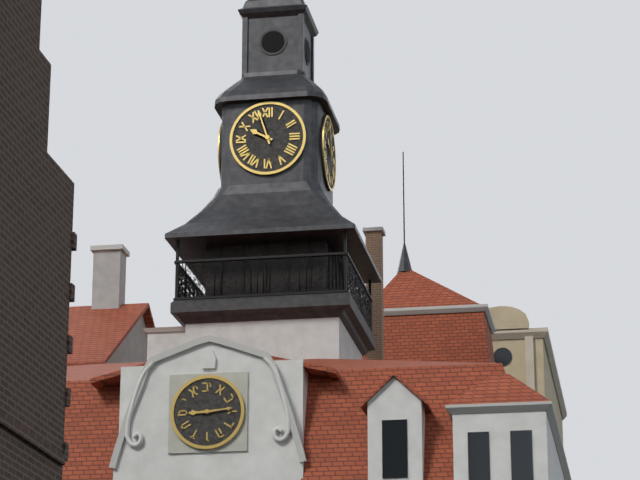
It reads 9h57
